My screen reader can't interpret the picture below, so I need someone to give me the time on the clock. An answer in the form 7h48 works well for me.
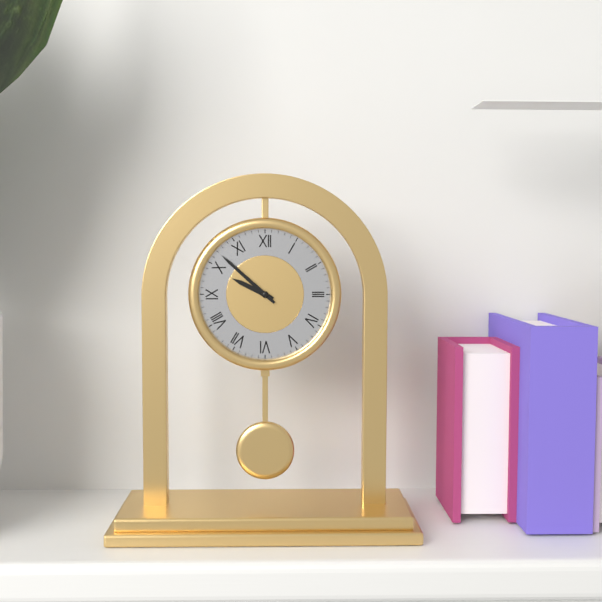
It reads 9h52
